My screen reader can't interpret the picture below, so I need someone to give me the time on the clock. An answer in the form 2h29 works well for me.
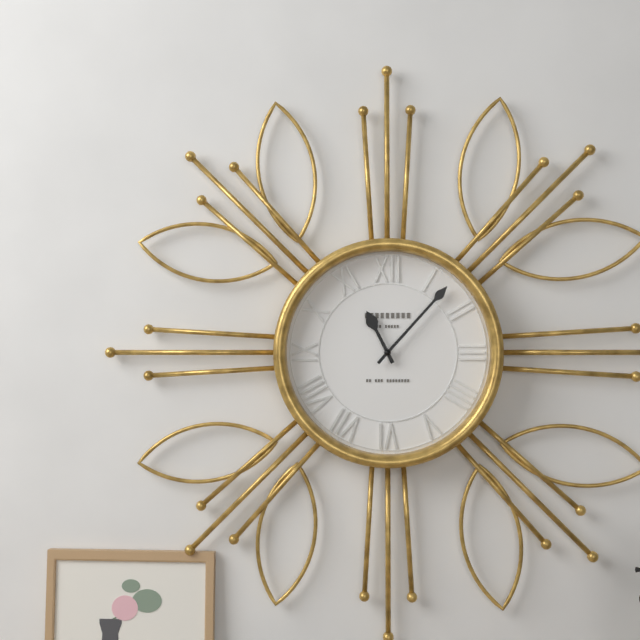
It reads 11h07
